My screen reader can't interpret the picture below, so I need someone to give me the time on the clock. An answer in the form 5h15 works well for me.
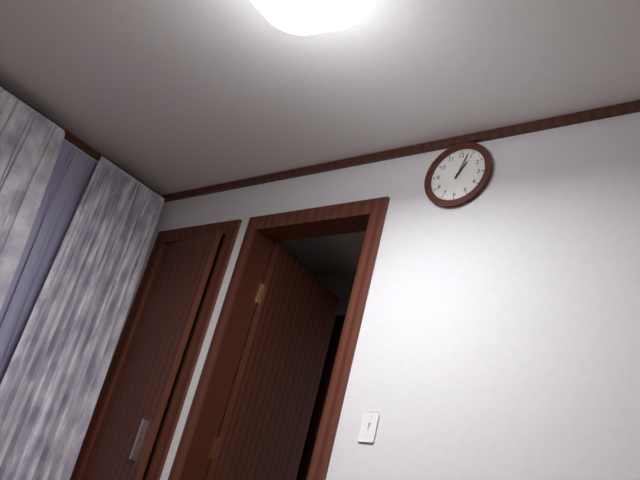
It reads 1h03
